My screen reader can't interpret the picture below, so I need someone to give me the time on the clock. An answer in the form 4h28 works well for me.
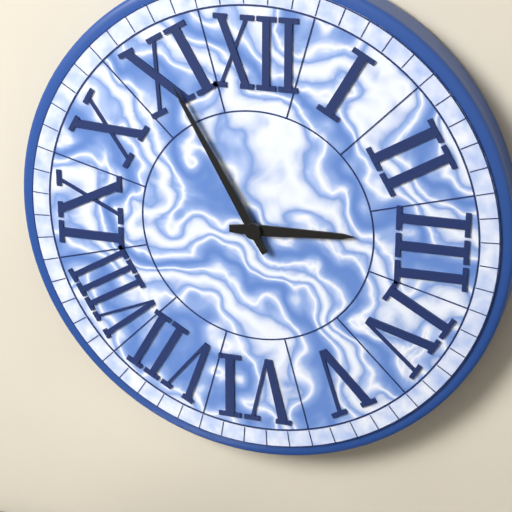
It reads 2h55
